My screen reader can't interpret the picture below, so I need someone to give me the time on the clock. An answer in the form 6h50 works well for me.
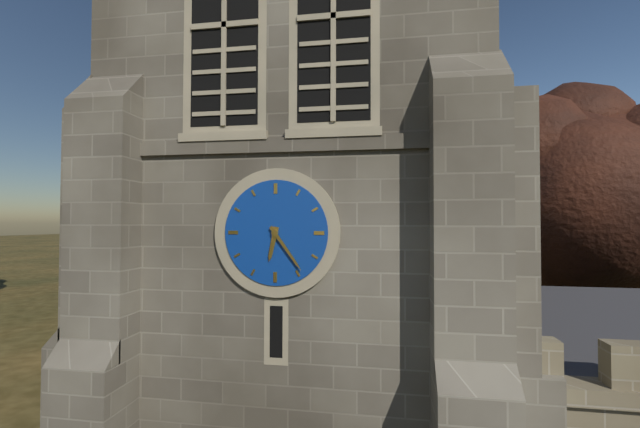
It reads 6h24
